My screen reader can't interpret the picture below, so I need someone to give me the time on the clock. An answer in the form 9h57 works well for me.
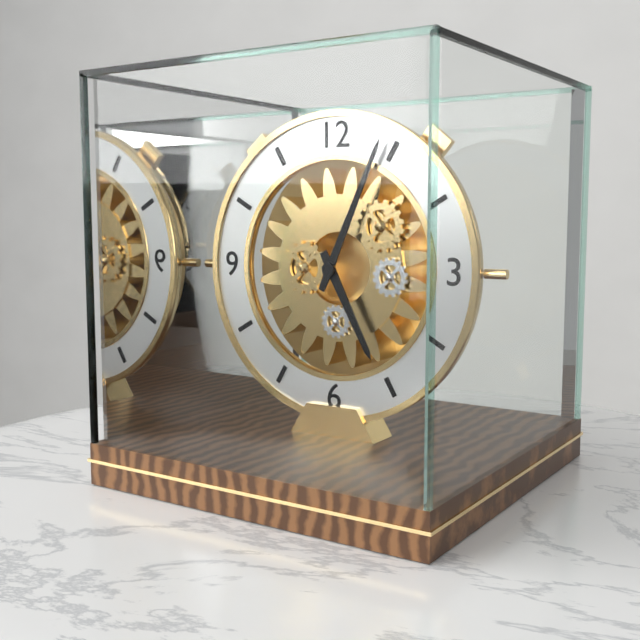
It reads 5h04
